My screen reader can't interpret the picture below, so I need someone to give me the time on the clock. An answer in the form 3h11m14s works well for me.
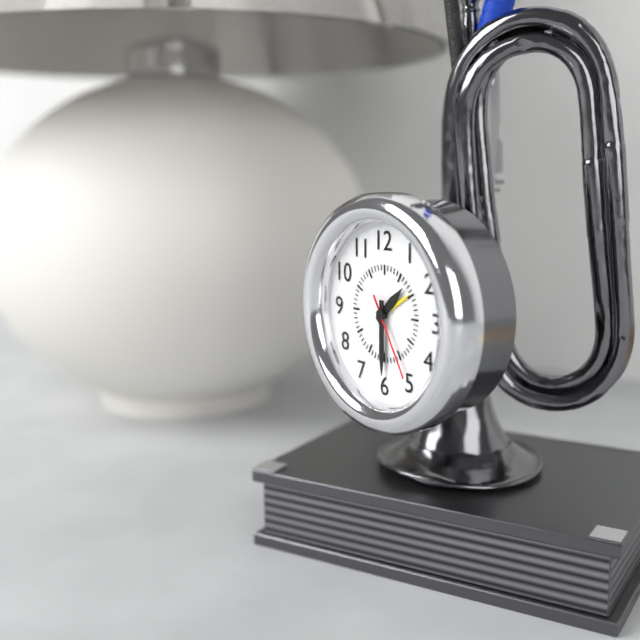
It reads 1h30m25s
